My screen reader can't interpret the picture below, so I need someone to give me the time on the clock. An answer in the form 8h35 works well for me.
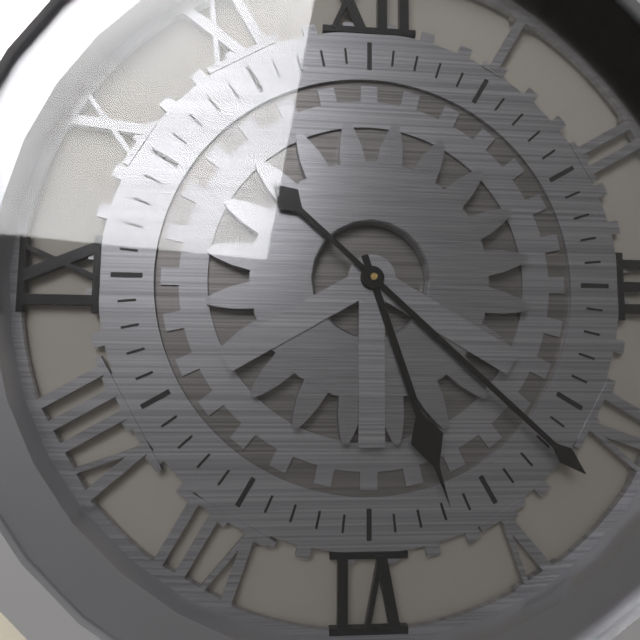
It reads 5h22
